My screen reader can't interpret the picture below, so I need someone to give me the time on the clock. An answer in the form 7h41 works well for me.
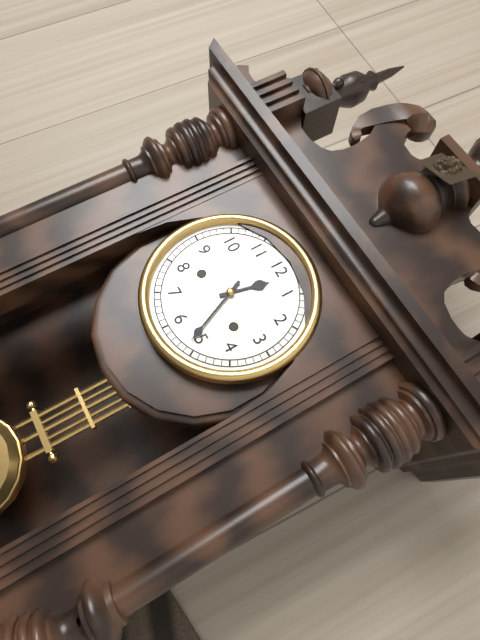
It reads 12h26
